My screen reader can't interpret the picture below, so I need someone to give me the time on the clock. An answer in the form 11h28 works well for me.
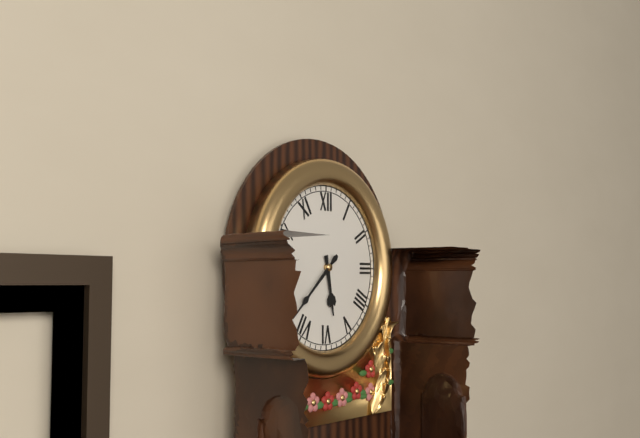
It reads 5h38
